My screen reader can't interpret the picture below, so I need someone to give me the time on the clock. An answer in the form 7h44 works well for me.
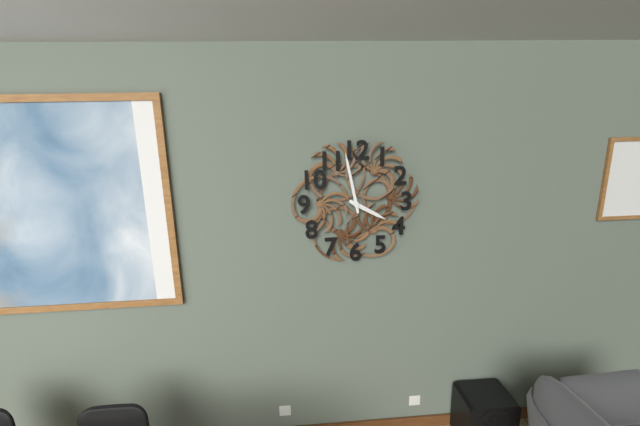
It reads 3h58
